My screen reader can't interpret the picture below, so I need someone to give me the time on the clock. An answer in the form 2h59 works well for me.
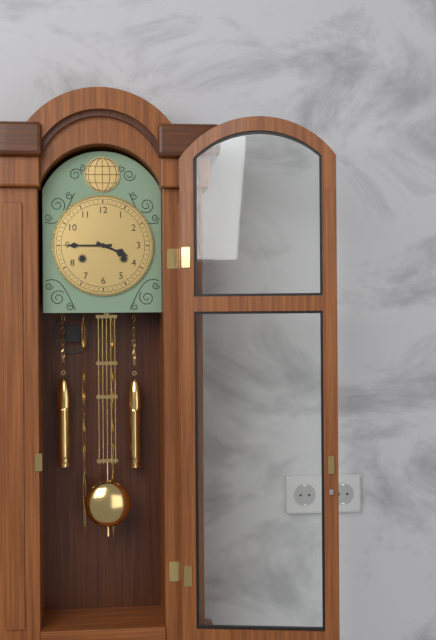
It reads 3h45
